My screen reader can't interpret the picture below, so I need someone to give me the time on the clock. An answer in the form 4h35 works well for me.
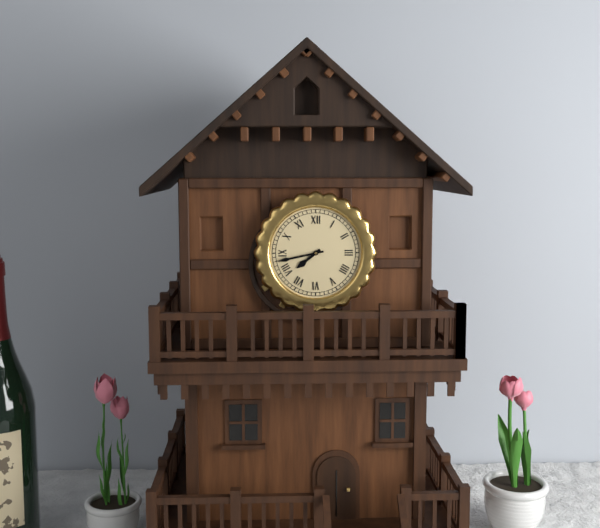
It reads 7h43
